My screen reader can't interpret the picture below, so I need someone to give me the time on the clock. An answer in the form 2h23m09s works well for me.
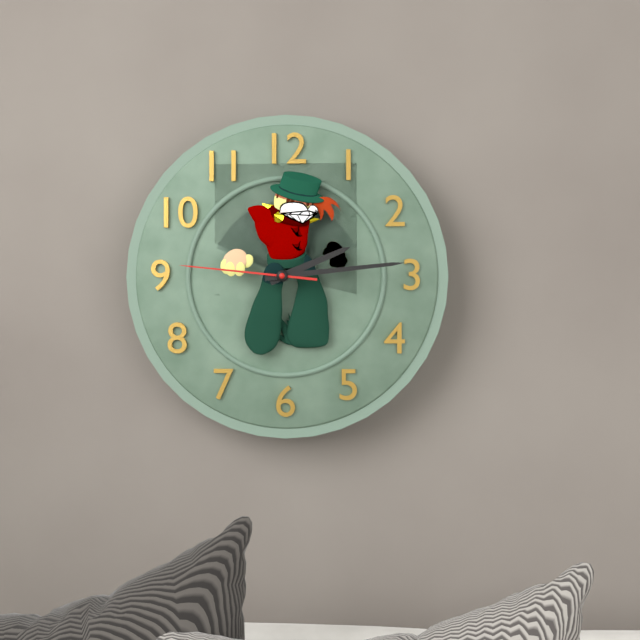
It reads 2h14m46s
